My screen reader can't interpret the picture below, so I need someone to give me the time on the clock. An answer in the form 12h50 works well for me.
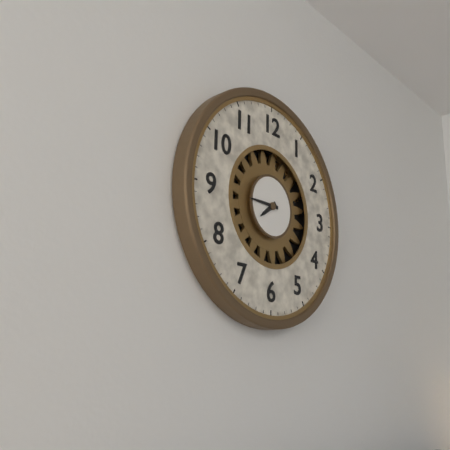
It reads 7h45
